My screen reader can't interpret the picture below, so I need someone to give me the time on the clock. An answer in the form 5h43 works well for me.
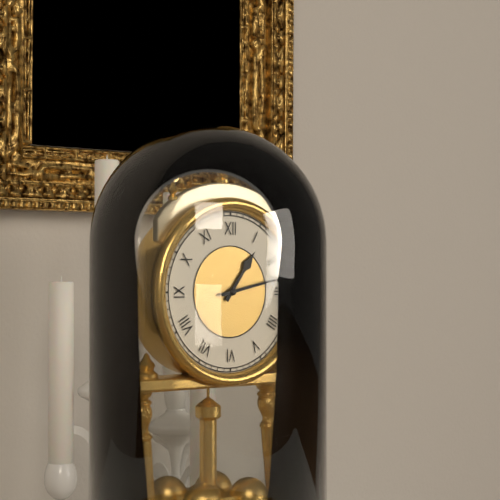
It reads 1h13
